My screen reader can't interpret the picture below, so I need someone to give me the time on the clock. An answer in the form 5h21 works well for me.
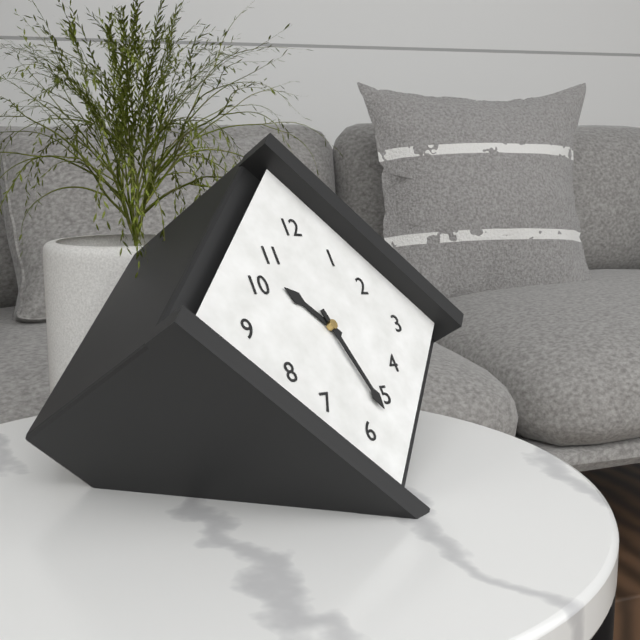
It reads 10h27
